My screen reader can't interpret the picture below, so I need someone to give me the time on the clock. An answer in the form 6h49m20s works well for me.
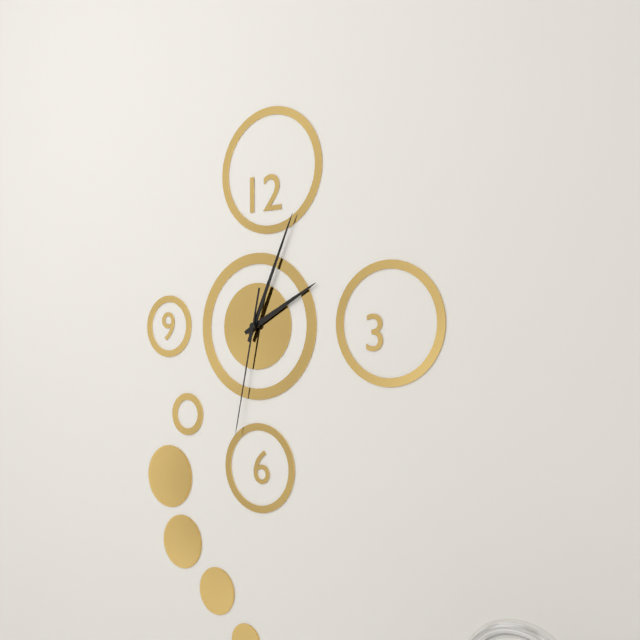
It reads 2h04m32s
